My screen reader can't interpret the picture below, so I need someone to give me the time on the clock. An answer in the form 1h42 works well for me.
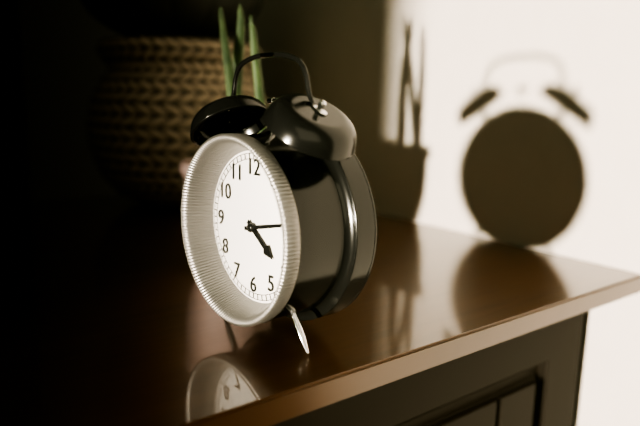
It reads 4h13
